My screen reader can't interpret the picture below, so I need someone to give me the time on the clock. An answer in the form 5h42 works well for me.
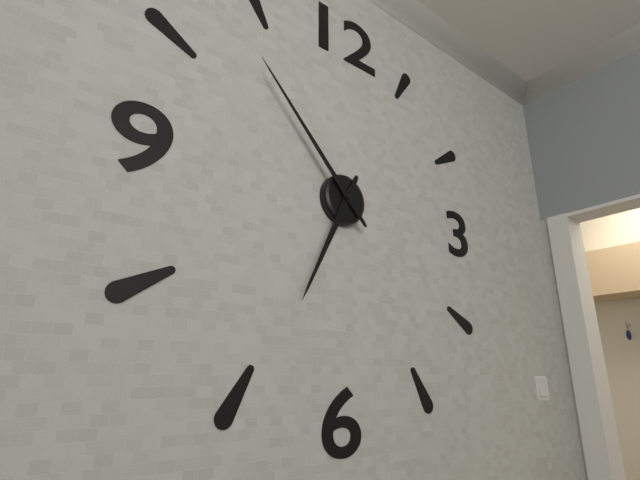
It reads 6h53
